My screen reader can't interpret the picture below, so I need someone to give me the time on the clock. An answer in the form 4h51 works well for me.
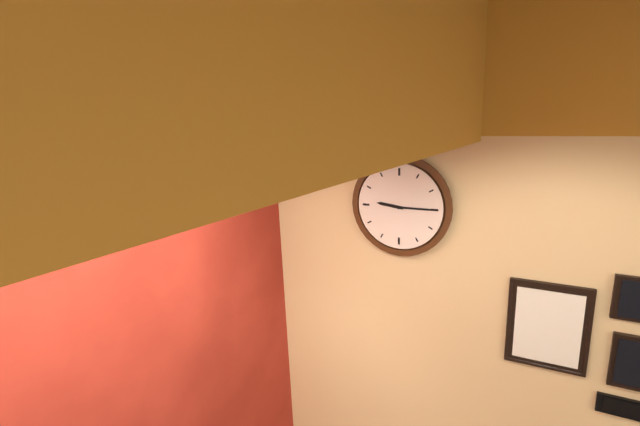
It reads 9h15
